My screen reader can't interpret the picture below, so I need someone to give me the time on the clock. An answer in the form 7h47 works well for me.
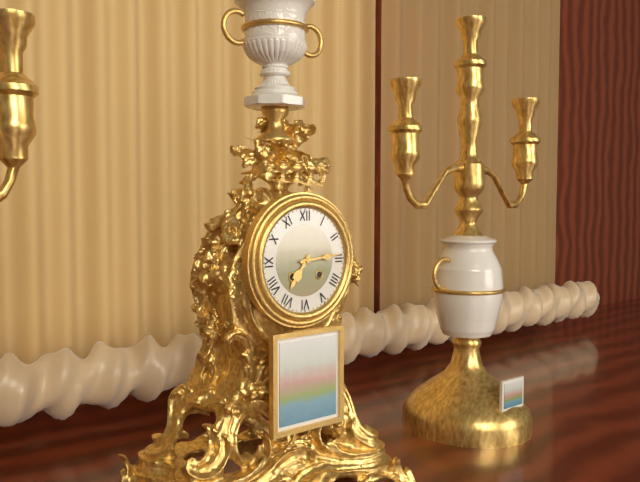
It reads 7h14
